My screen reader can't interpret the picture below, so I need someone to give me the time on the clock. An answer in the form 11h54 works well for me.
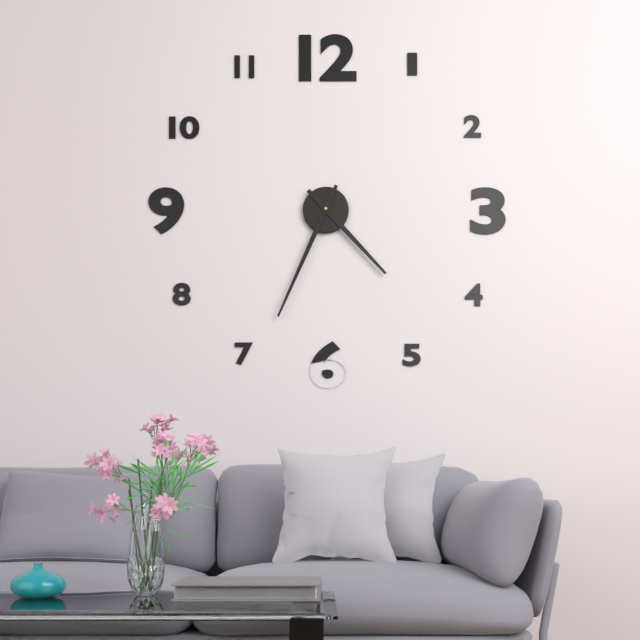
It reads 4h34
